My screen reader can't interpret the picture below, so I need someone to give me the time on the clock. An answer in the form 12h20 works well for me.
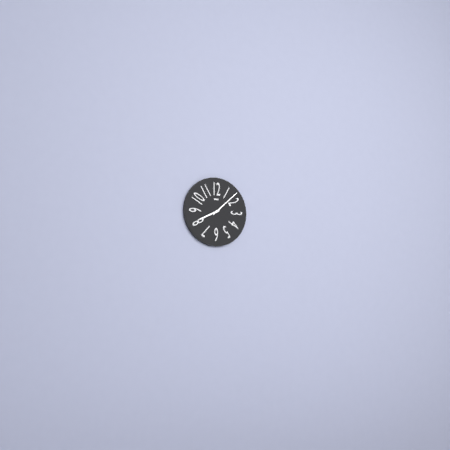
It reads 8h08
